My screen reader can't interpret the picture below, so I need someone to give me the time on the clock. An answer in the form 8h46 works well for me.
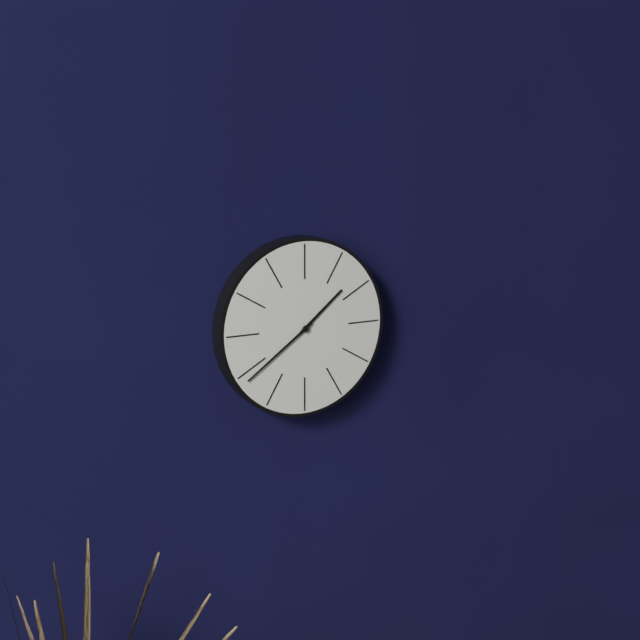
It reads 1h39
